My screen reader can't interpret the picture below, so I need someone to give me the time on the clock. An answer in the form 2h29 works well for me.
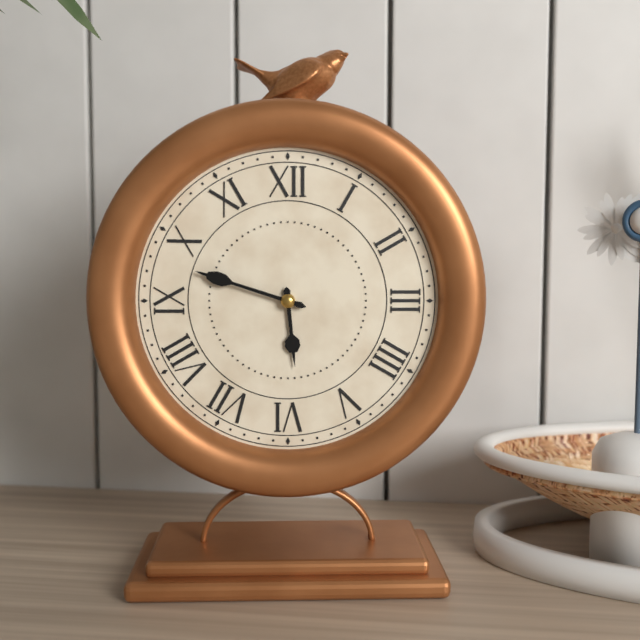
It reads 5h48
